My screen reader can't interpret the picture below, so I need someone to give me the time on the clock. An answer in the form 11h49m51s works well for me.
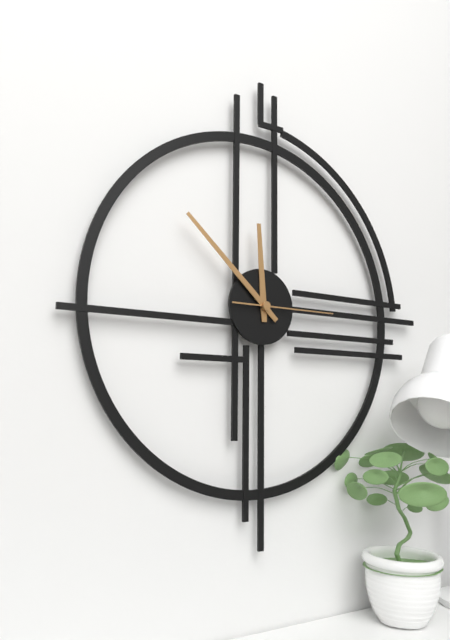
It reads 11h52m15s
